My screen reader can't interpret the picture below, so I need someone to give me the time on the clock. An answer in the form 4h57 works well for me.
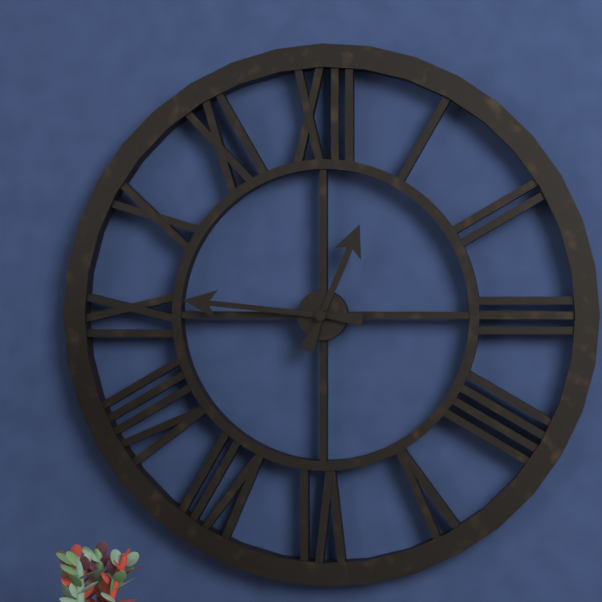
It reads 12h46
